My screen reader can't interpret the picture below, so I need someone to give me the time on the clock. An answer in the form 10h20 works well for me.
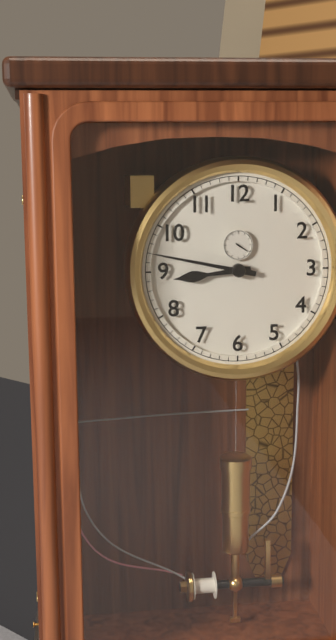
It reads 8h47
